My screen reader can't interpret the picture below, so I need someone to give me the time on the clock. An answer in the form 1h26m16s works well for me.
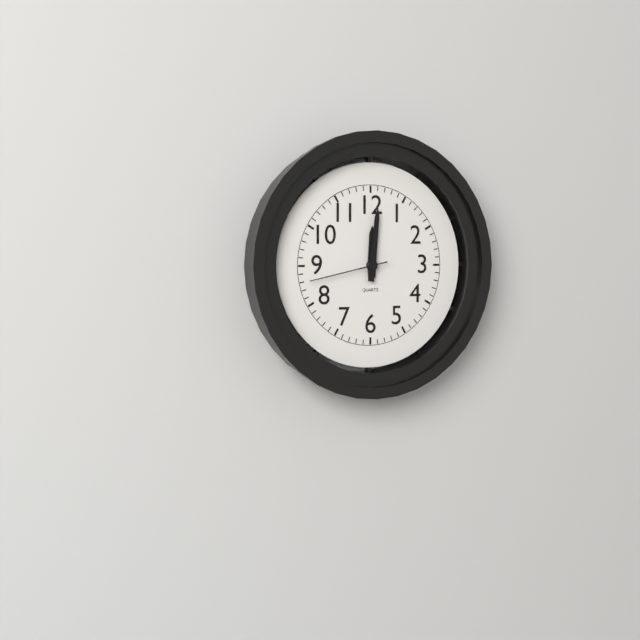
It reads 12h01m43s
